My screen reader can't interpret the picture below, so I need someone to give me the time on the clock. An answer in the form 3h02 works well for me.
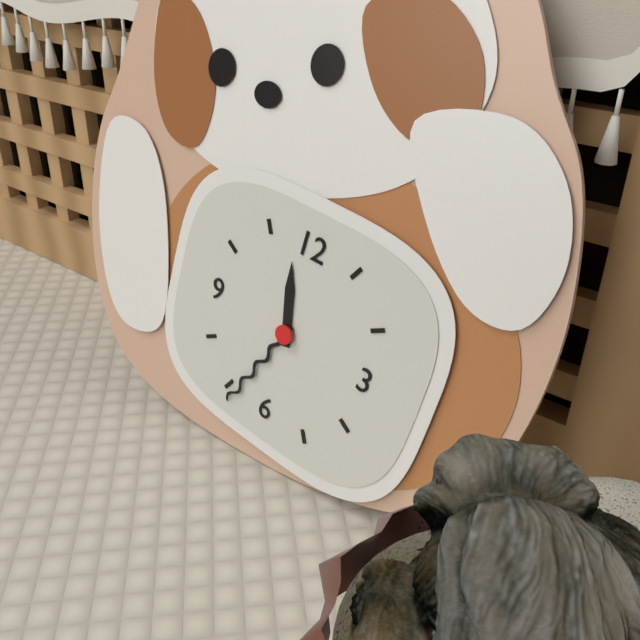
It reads 11h34
